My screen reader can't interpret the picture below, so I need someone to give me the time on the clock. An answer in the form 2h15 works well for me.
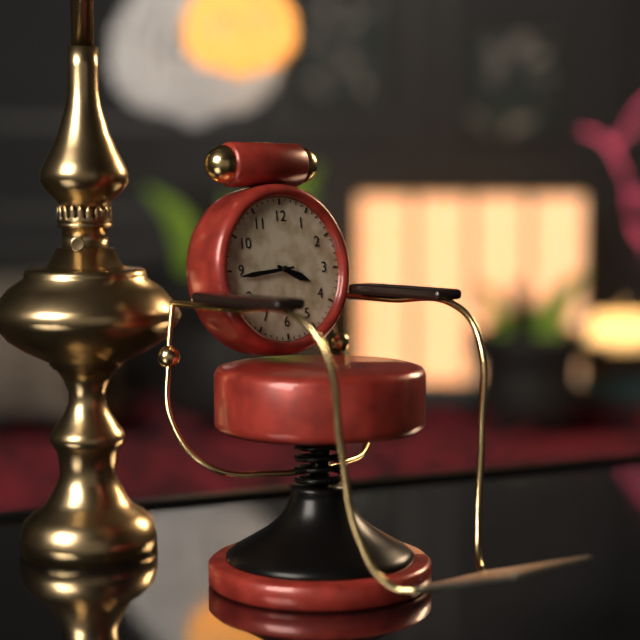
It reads 3h44
